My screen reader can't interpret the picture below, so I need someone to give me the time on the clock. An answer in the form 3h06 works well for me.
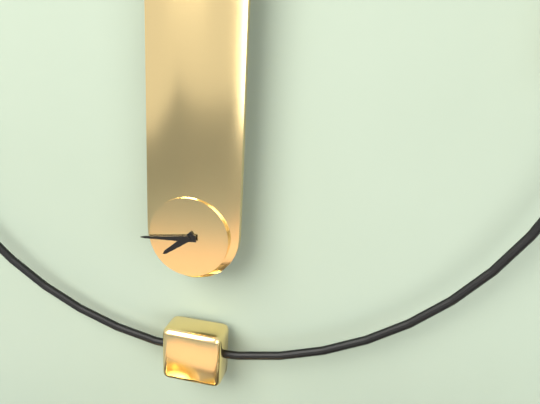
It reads 7h44
